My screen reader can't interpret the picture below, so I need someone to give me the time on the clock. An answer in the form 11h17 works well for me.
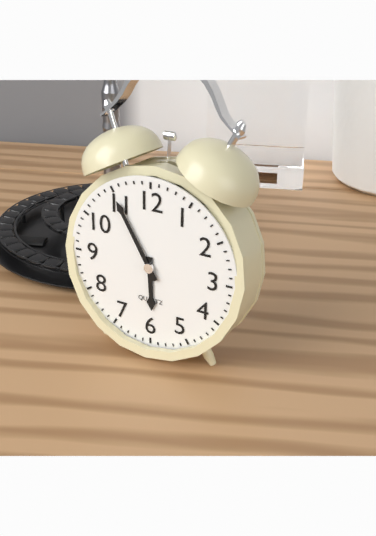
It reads 5h55
